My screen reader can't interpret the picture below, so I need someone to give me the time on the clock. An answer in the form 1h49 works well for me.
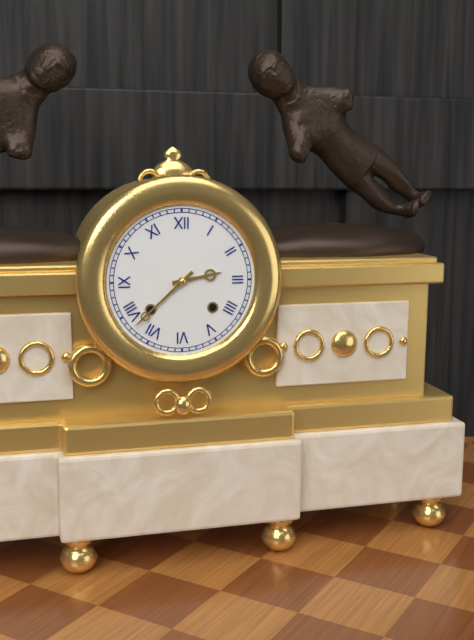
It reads 2h38
